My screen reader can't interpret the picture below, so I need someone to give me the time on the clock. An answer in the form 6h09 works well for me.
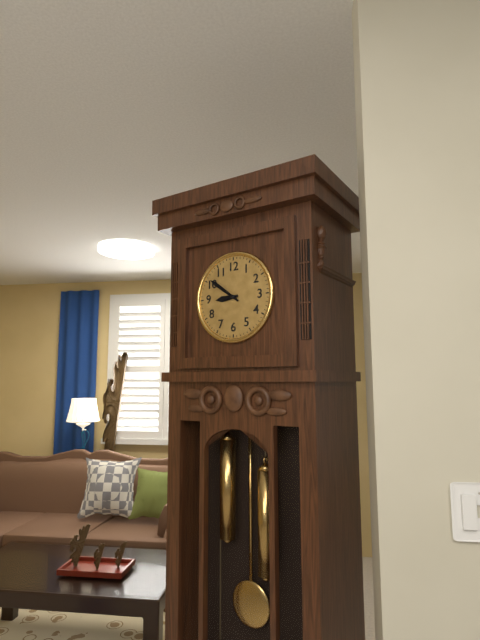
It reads 8h51
